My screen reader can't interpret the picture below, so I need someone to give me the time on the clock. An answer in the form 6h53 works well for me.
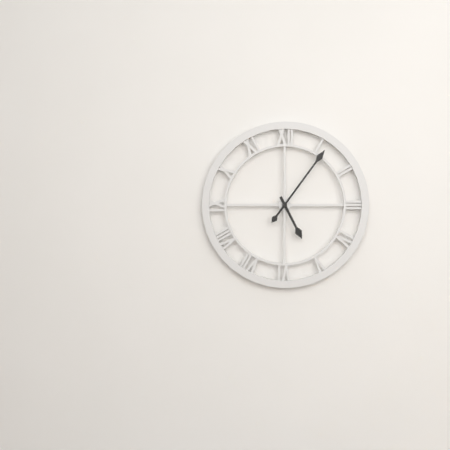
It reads 5h06
